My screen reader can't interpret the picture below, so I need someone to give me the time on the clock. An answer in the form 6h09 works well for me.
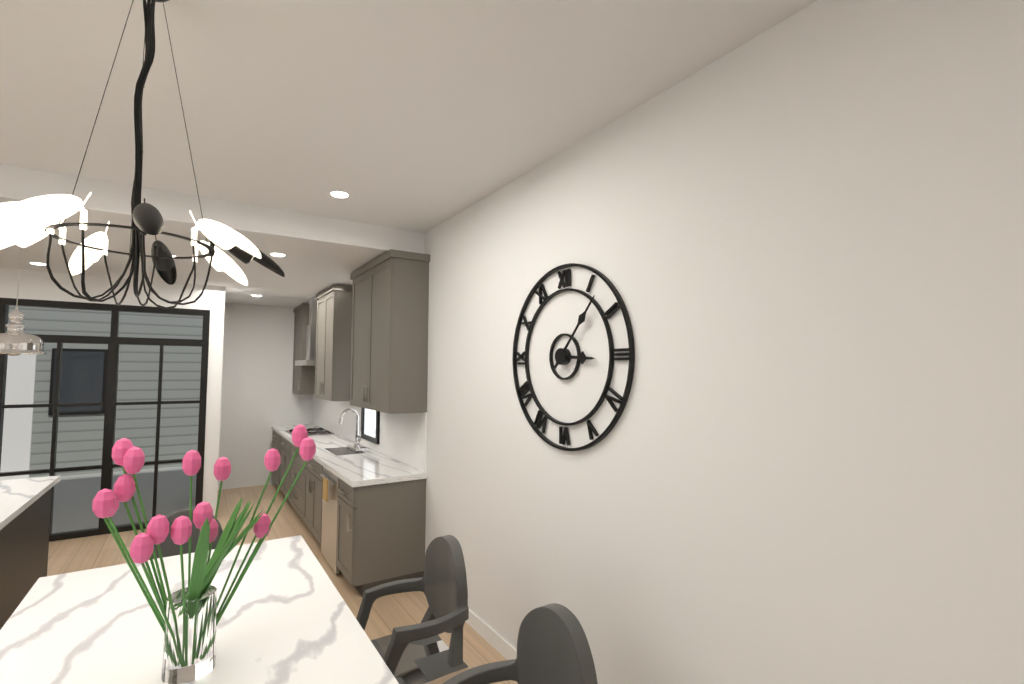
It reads 3h07
